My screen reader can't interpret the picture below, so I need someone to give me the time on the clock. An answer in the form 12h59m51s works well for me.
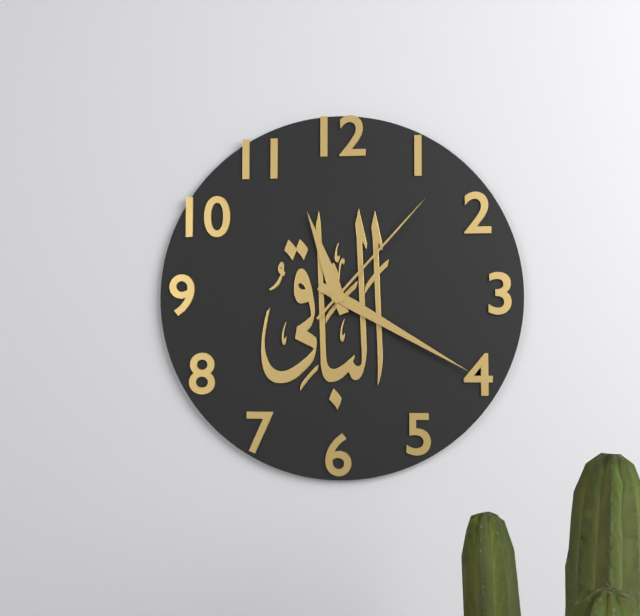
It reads 11h20m07s
